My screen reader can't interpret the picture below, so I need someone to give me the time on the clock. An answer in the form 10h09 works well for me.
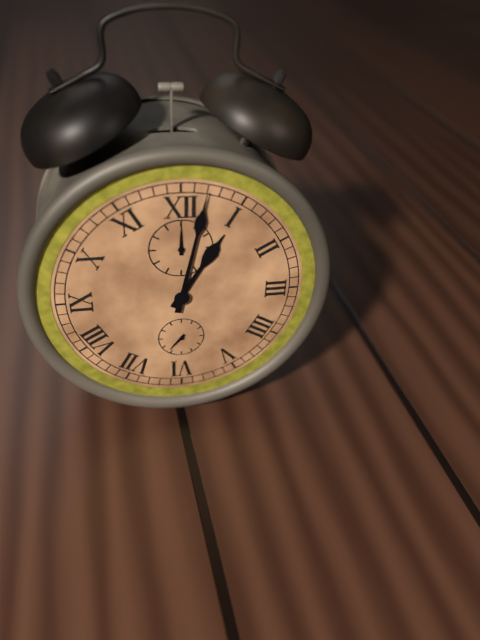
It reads 1h02
